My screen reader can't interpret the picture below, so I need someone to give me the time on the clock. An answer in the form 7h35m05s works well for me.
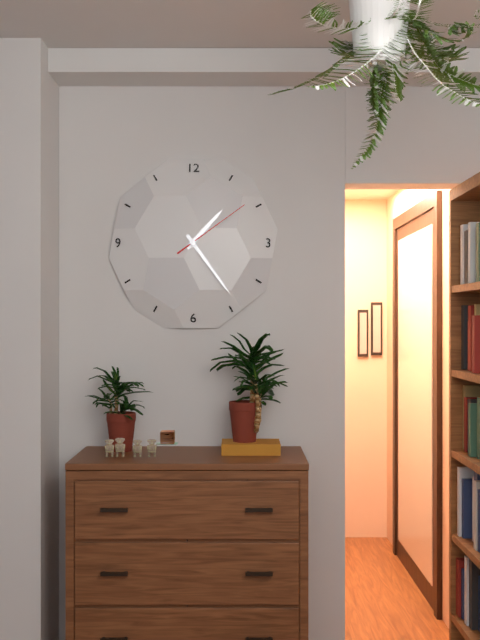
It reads 1h24m09s
